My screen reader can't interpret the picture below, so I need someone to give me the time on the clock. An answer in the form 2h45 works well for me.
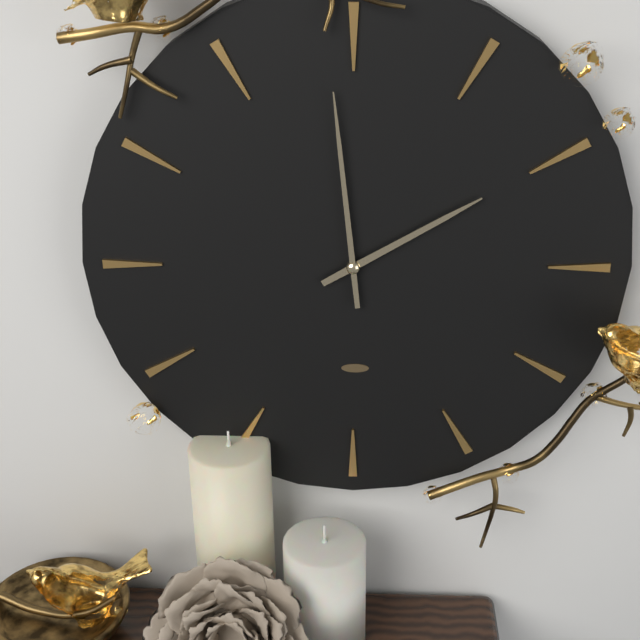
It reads 1h59
